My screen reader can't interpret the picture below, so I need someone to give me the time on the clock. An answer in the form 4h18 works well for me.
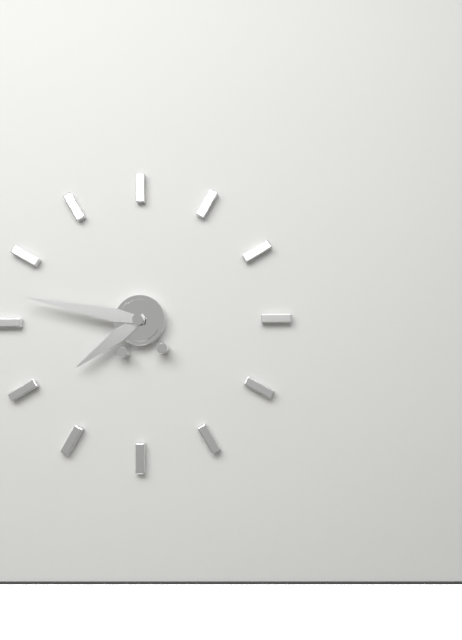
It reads 7h47
